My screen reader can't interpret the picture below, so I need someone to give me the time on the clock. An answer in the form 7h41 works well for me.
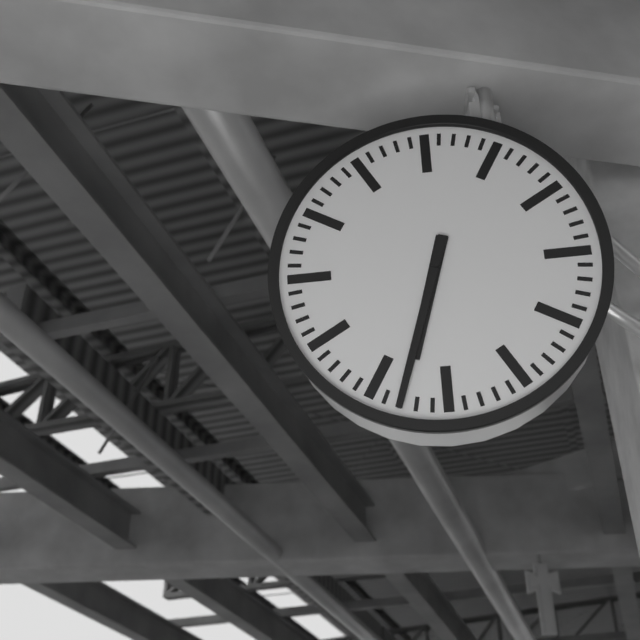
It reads 6h33
